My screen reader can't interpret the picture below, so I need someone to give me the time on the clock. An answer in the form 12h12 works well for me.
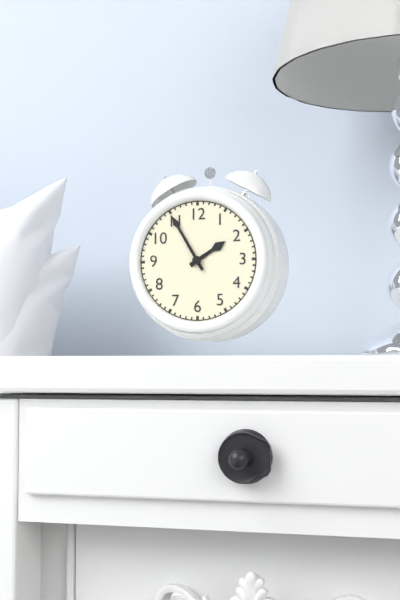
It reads 1h55
